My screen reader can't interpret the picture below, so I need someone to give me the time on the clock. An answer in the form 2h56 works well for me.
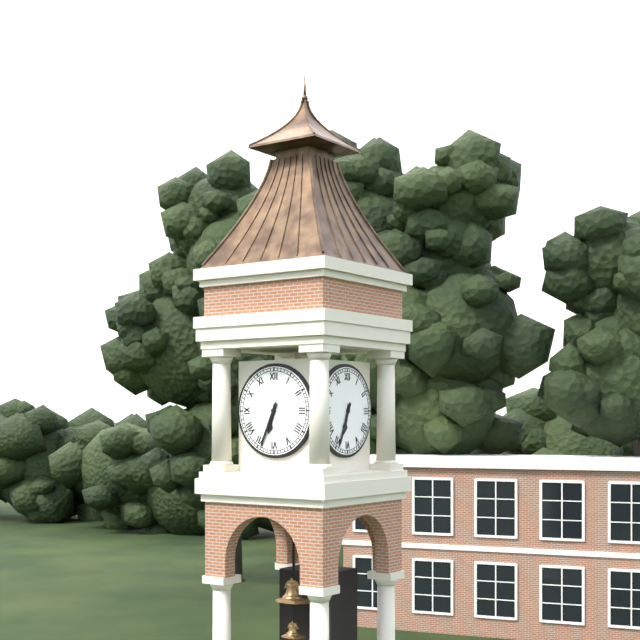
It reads 6h34
